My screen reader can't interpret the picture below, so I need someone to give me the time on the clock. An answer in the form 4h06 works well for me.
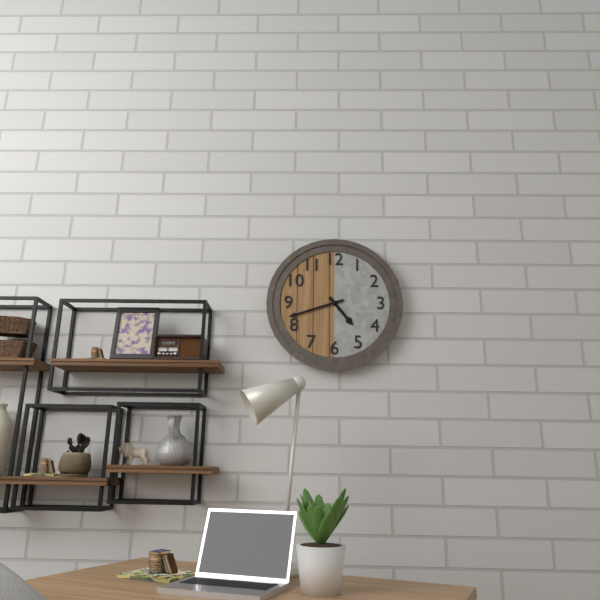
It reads 4h42
